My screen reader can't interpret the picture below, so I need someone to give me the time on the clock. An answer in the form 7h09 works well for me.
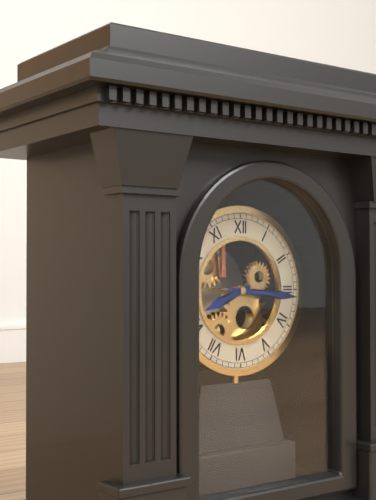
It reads 8h16
